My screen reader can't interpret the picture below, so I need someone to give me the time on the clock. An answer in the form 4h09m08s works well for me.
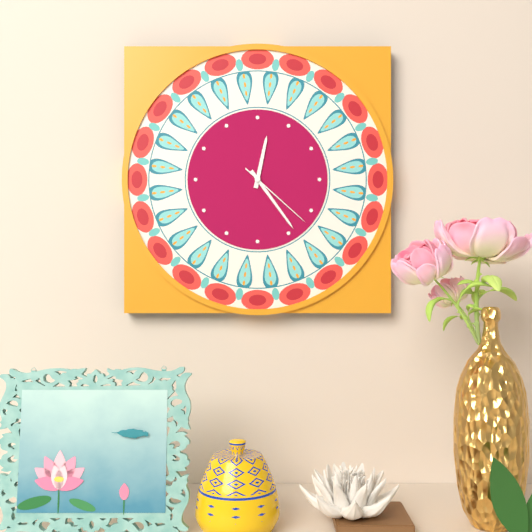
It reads 12h24m22s
